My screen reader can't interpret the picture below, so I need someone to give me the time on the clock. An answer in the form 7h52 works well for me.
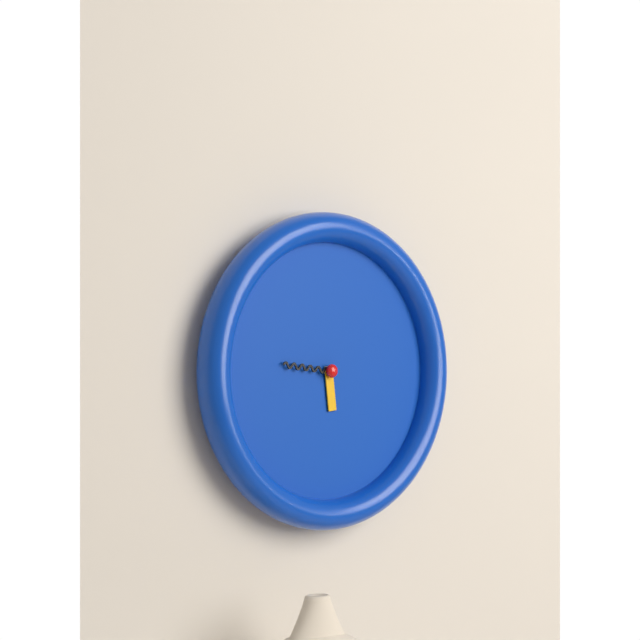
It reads 5h46
